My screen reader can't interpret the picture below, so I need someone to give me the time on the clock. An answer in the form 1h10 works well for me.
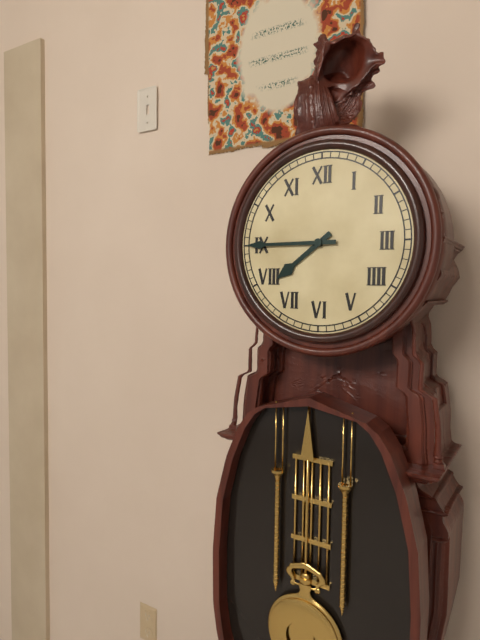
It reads 7h45
